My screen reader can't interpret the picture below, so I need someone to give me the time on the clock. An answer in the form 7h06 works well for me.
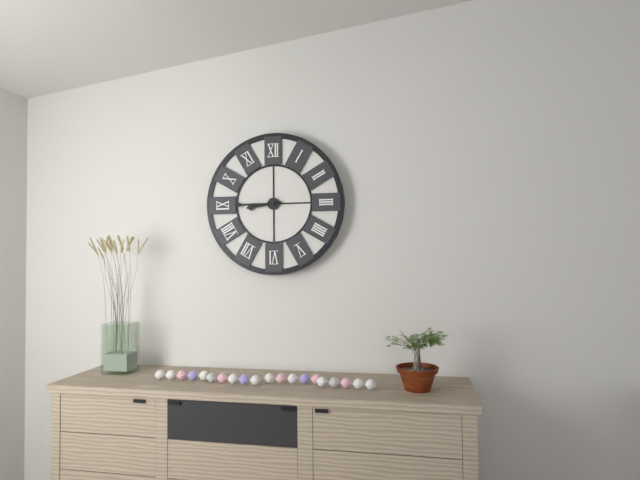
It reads 8h45
